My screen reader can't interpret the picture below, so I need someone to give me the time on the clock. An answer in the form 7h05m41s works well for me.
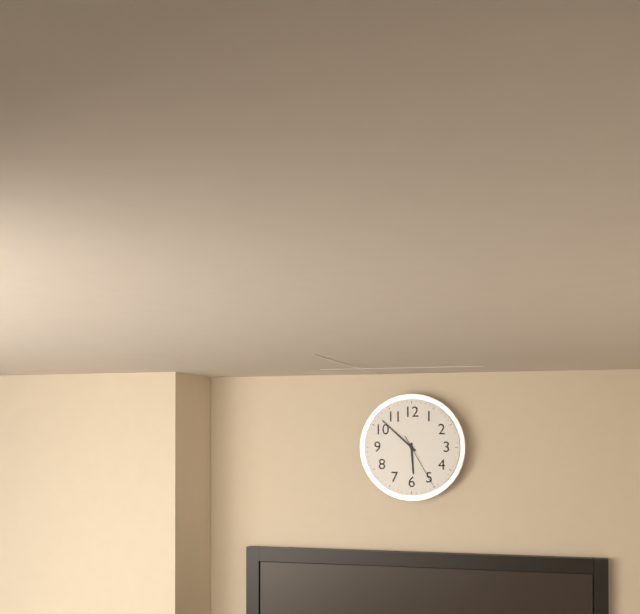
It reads 5h52m25s
